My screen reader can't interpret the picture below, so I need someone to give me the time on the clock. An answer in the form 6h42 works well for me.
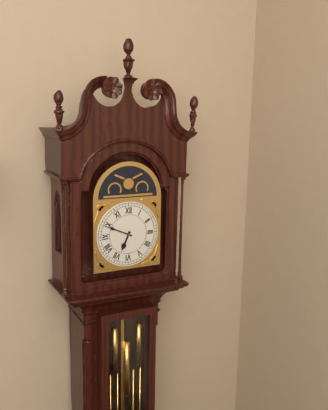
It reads 6h49
